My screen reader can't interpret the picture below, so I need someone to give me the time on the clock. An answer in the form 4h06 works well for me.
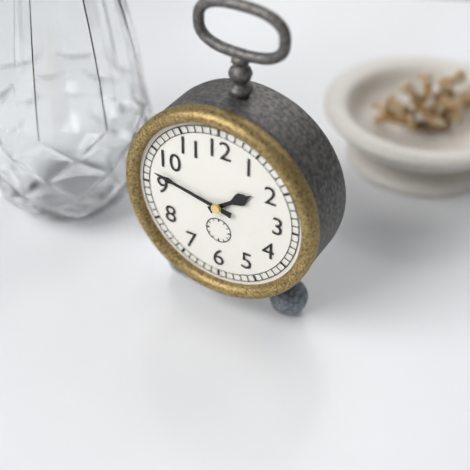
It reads 1h47
